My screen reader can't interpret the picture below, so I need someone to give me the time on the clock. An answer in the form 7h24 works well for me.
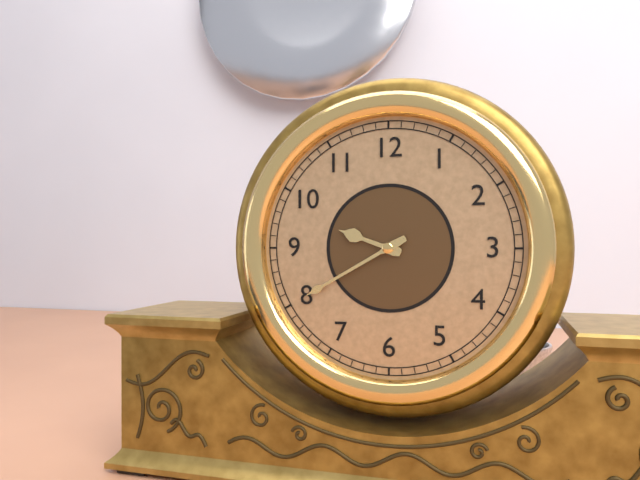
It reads 9h40
